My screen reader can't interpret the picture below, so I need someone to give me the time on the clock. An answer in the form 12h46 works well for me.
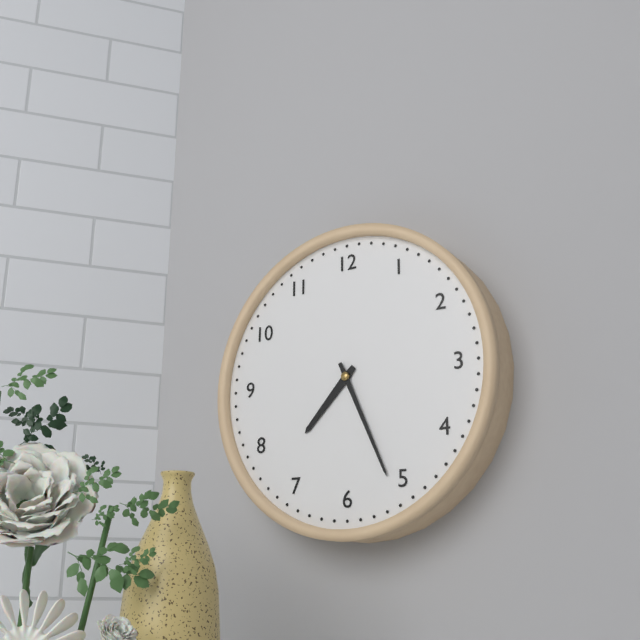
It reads 7h26
